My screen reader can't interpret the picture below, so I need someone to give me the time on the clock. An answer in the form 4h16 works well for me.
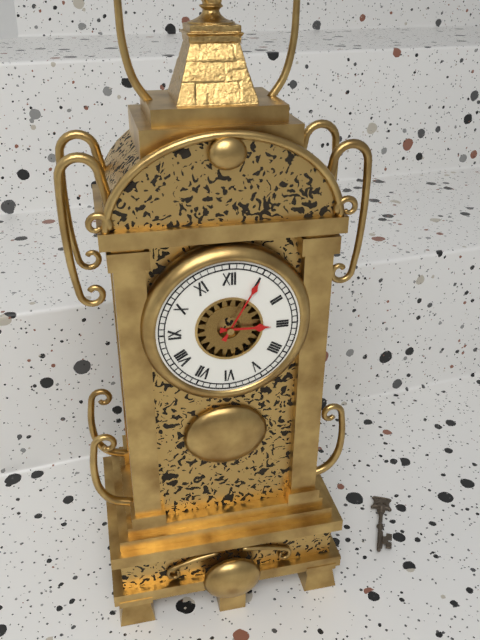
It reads 3h05
